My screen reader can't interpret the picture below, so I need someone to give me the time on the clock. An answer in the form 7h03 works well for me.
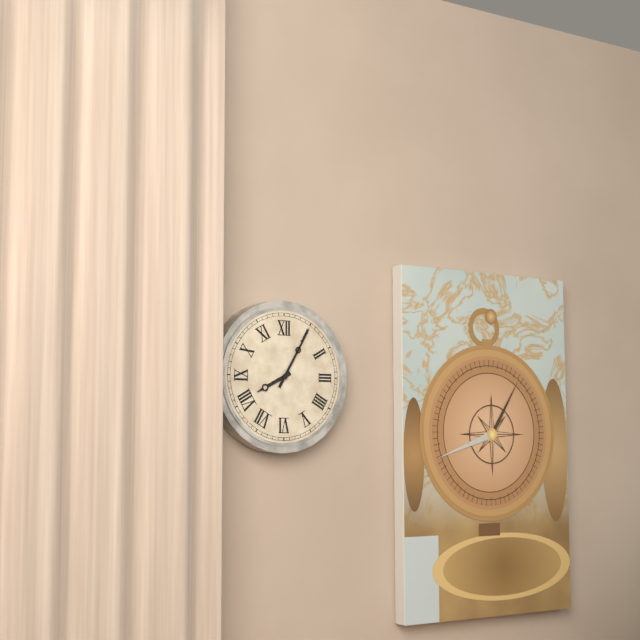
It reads 8h05
